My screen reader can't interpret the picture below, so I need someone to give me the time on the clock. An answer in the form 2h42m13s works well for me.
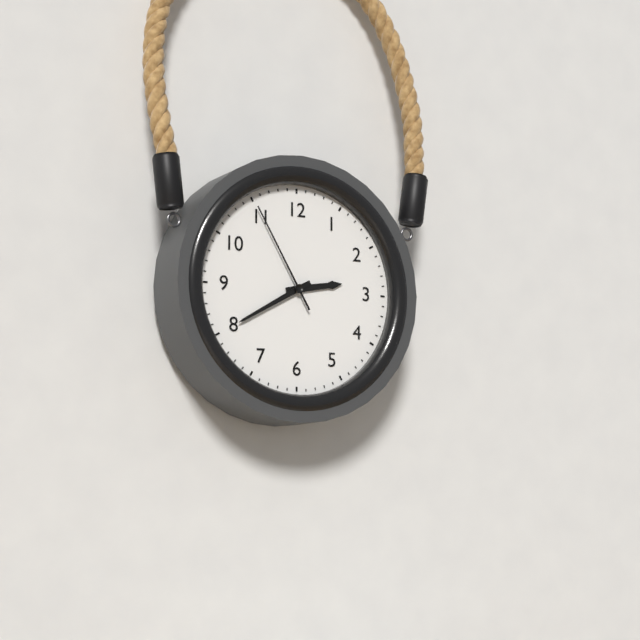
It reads 2h40m55s
